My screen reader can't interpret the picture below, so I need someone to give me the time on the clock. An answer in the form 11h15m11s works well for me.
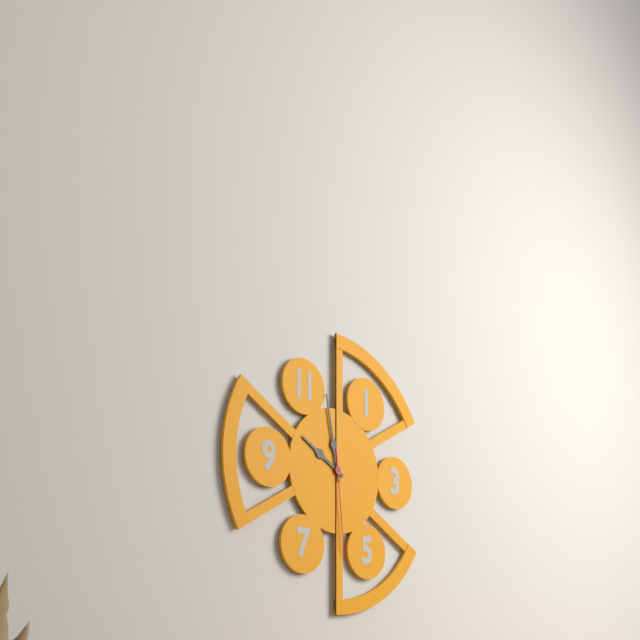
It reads 9h58m29s
